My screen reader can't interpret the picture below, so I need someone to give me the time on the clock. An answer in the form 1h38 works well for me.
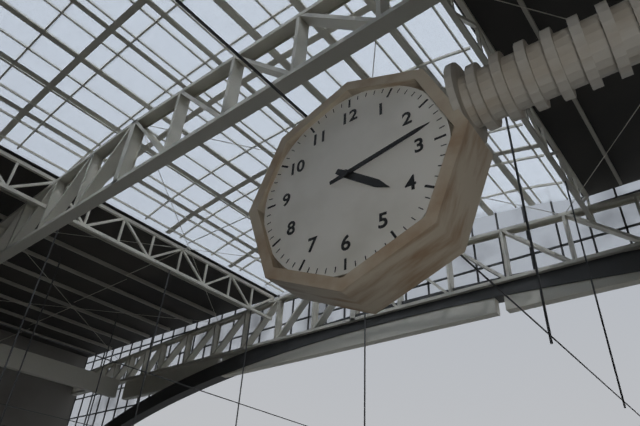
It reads 4h13
